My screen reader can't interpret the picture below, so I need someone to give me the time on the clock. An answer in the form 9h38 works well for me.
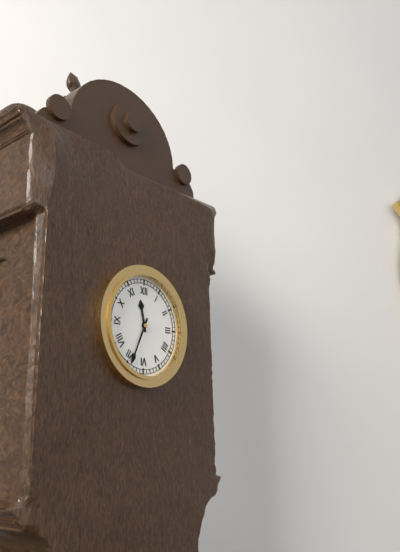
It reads 11h34
